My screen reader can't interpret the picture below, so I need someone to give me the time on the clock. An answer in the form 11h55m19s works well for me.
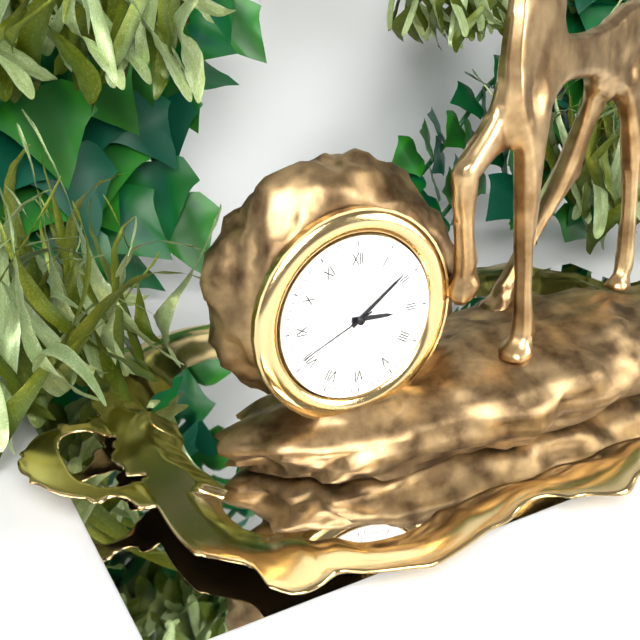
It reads 3h09m41s
